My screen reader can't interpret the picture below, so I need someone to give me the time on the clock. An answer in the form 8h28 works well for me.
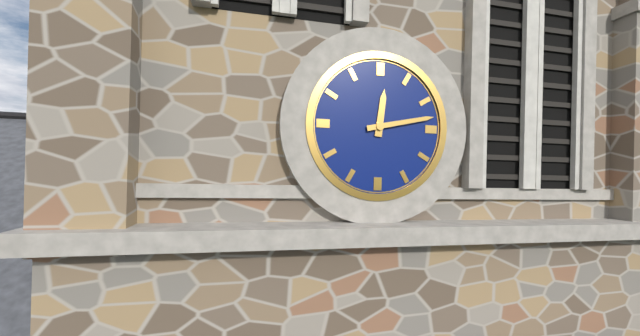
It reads 12h13
